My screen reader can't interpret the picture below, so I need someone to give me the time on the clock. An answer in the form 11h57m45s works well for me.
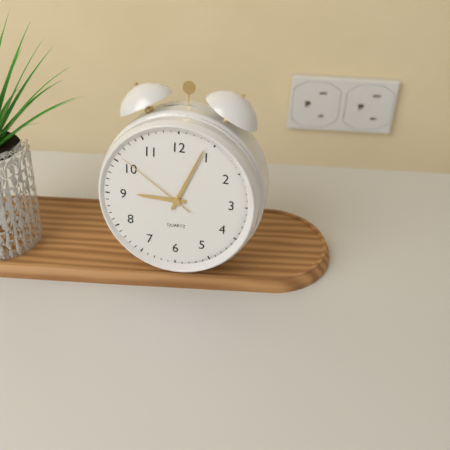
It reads 9h04m51s
